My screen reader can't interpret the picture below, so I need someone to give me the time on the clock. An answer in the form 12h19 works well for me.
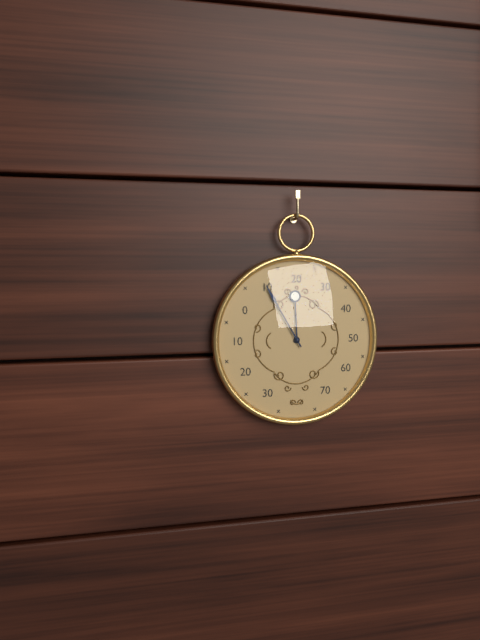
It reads 11h55
